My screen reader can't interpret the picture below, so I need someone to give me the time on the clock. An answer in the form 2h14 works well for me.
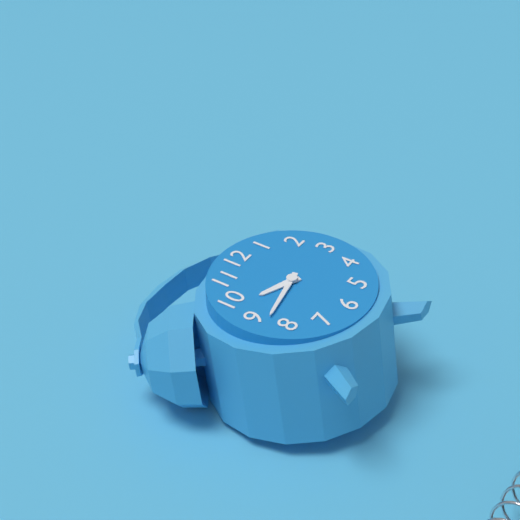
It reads 9h43
